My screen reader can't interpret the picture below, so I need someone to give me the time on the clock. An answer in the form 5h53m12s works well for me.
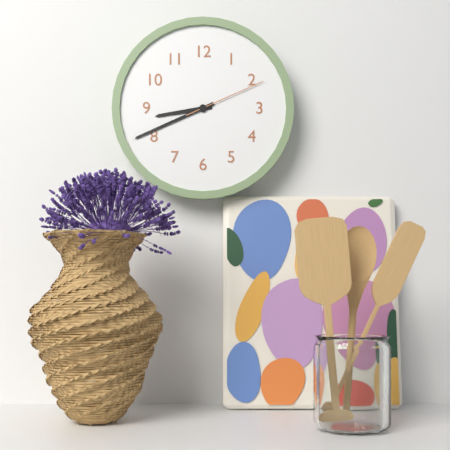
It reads 8h41m11s
